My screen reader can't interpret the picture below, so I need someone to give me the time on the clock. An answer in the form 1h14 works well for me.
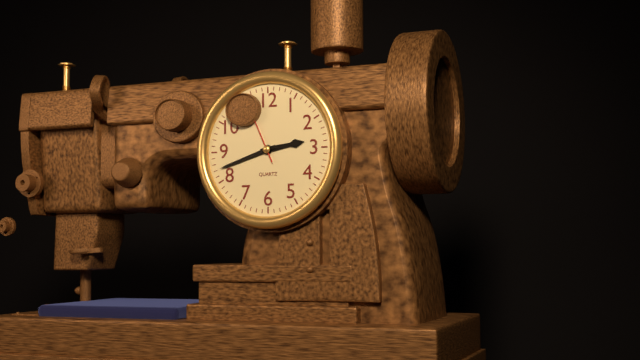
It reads 2h42
